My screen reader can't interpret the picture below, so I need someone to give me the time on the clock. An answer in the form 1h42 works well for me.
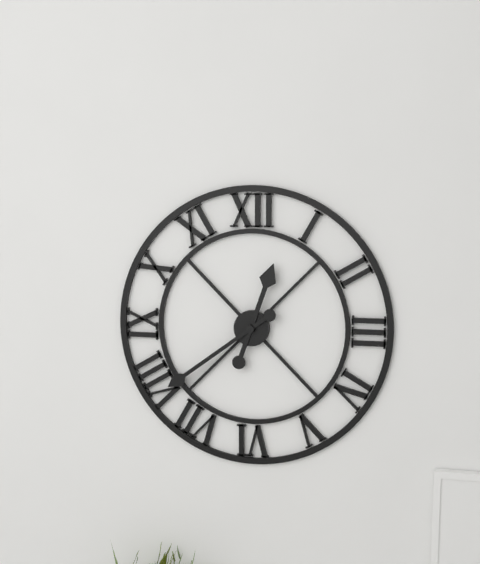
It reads 12h39
